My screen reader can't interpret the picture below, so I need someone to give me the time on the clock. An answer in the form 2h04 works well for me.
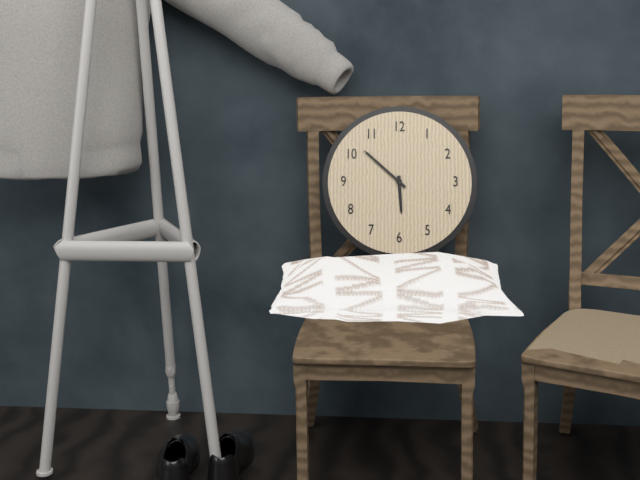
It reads 5h52
